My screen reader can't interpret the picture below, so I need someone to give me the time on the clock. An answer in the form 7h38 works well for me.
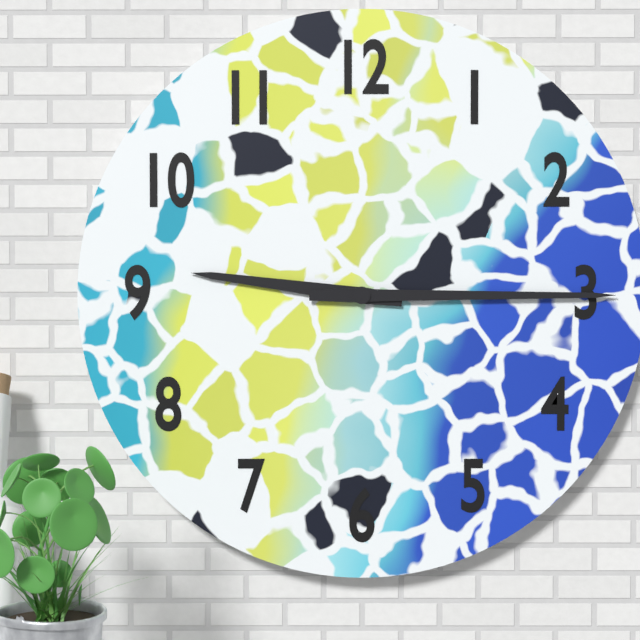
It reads 9h15
